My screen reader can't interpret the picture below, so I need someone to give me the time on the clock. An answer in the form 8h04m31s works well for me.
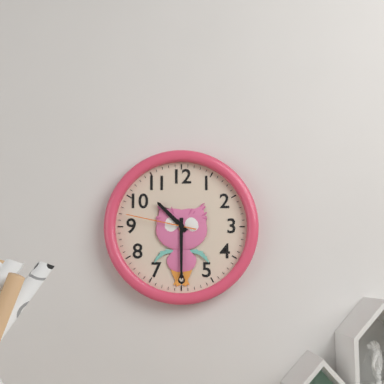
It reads 10h30m47s
